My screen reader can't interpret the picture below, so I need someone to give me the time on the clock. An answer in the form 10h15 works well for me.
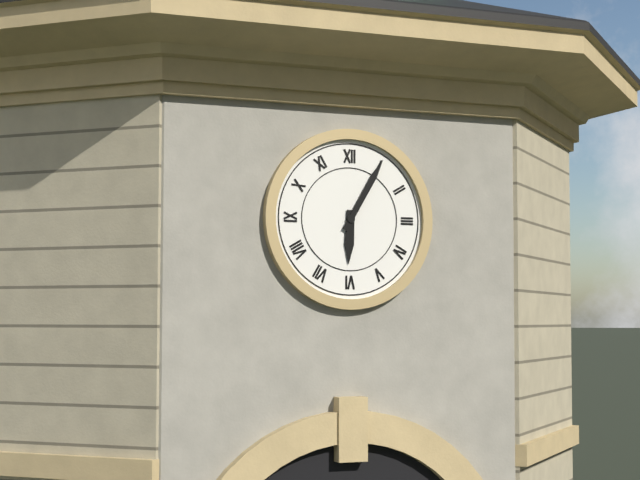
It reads 6h05
